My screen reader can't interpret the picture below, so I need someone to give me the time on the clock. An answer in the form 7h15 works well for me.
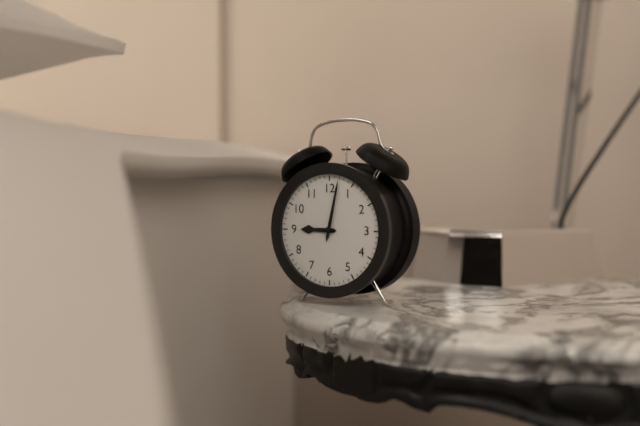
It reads 9h02
